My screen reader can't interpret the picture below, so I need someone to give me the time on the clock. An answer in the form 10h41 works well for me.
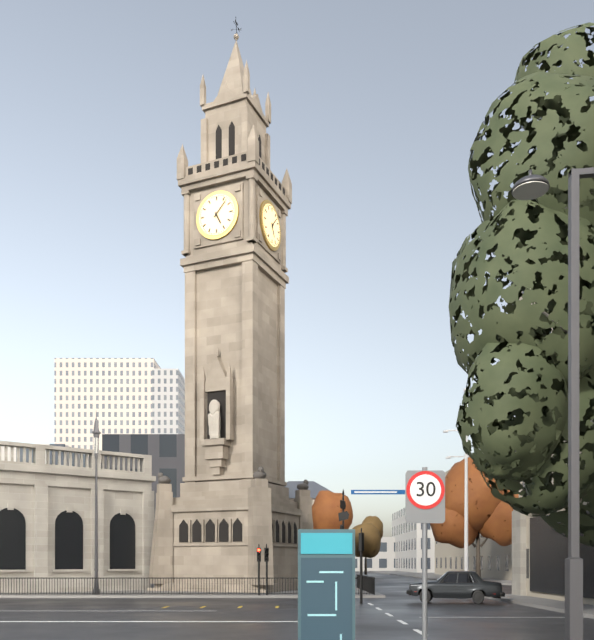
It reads 5h07
